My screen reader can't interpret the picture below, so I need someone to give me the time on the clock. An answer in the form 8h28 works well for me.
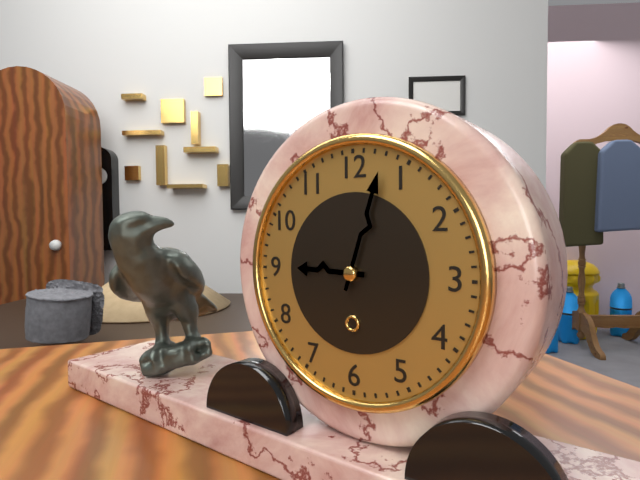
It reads 9h03
